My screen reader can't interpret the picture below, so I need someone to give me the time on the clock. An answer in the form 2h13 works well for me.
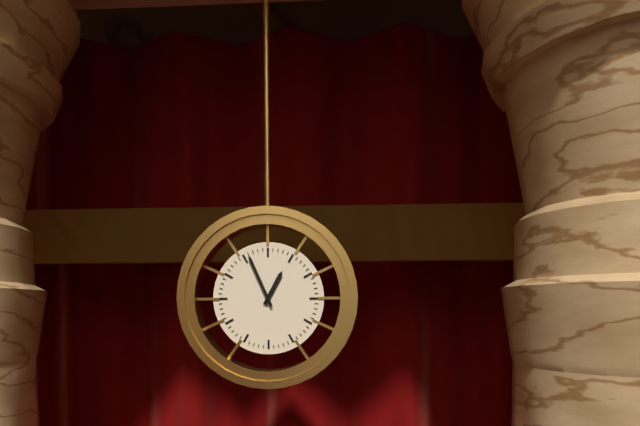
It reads 12h56
